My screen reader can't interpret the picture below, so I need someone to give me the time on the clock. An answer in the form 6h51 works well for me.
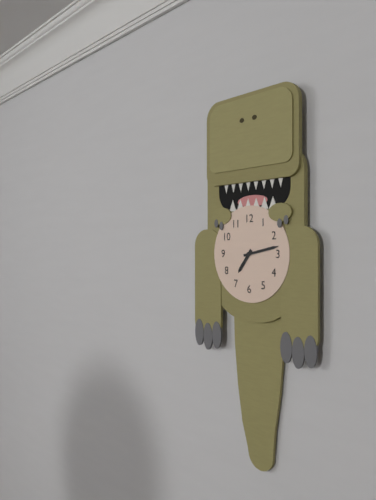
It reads 7h13
